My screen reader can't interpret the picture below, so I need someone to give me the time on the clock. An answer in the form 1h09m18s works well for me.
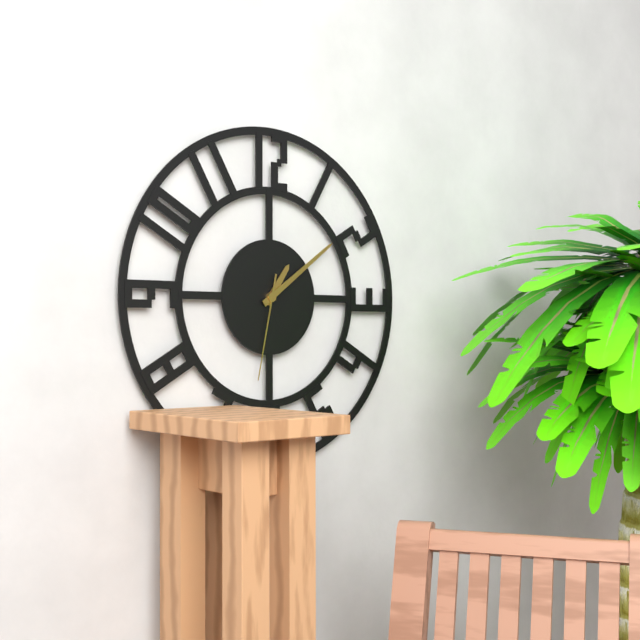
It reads 1h09m32s
